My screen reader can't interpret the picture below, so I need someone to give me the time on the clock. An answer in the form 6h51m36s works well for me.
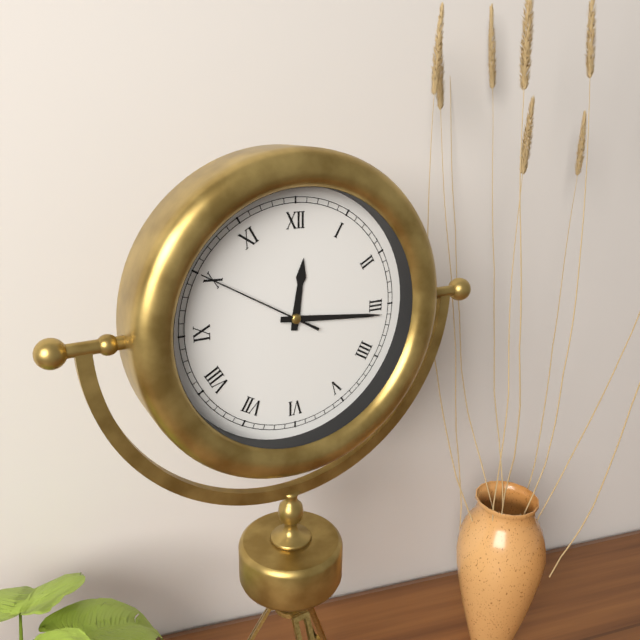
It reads 12h16m50s
